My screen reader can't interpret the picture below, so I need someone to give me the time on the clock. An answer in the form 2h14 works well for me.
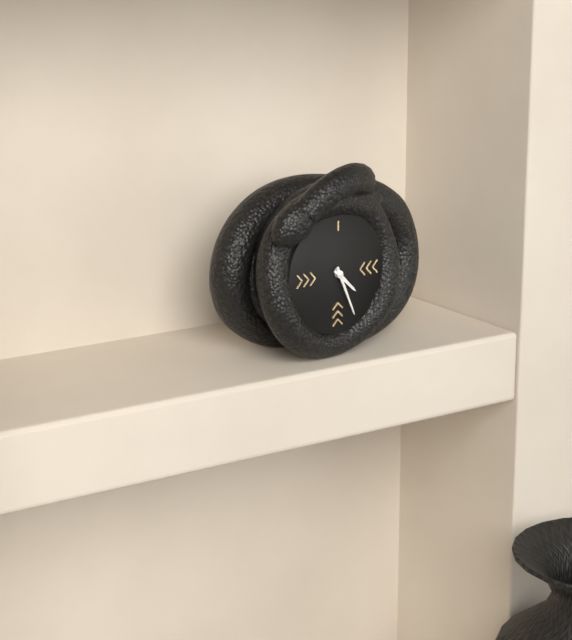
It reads 4h26
